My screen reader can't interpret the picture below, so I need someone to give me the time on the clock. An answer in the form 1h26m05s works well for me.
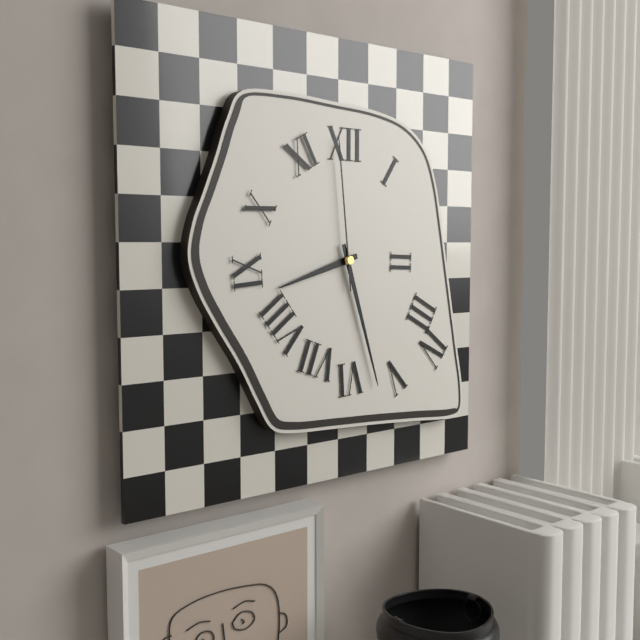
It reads 8h27m59s
